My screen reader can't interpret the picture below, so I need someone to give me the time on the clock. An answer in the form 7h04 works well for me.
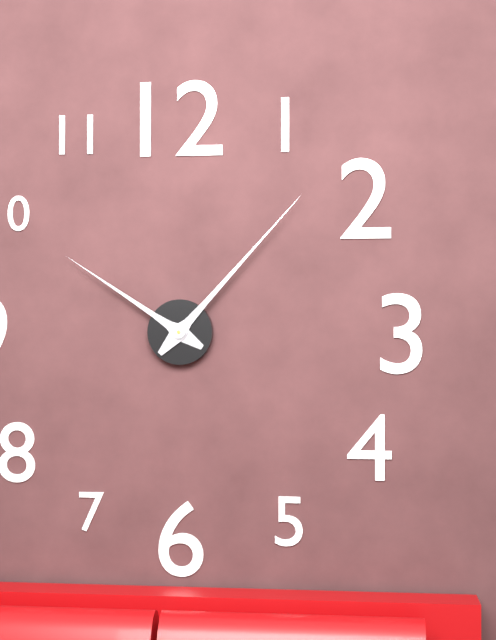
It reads 10h07
